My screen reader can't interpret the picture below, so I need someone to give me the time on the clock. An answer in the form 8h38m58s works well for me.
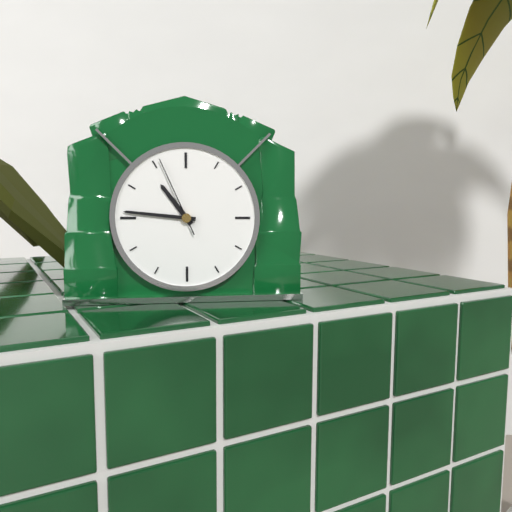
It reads 10h46m56s
